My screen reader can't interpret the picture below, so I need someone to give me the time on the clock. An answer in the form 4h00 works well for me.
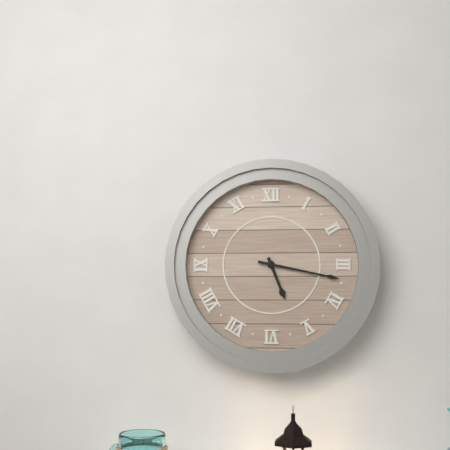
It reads 5h17
